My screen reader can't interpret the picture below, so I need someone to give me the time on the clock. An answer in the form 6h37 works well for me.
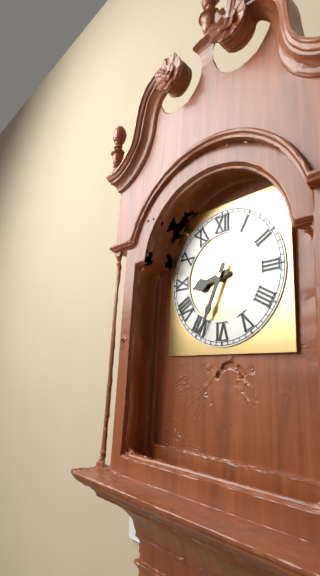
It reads 8h34
